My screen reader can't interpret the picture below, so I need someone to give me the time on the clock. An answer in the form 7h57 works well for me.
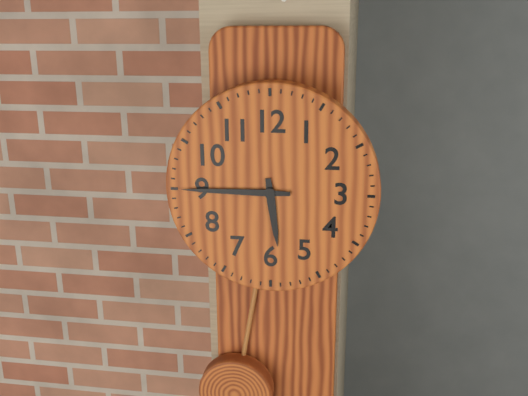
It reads 5h45
